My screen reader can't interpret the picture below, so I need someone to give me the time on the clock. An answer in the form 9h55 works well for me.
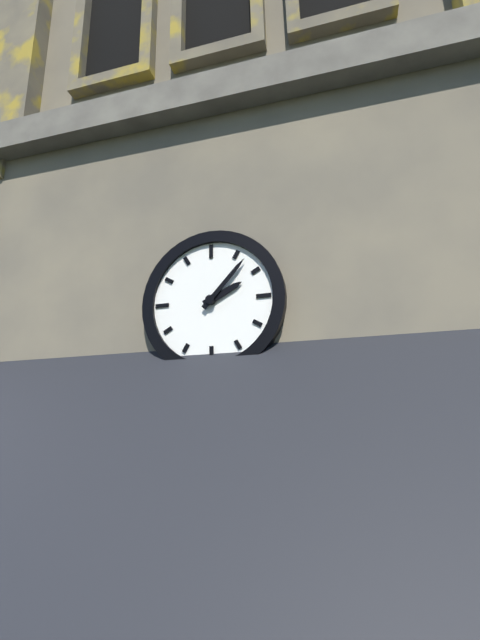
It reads 2h07
